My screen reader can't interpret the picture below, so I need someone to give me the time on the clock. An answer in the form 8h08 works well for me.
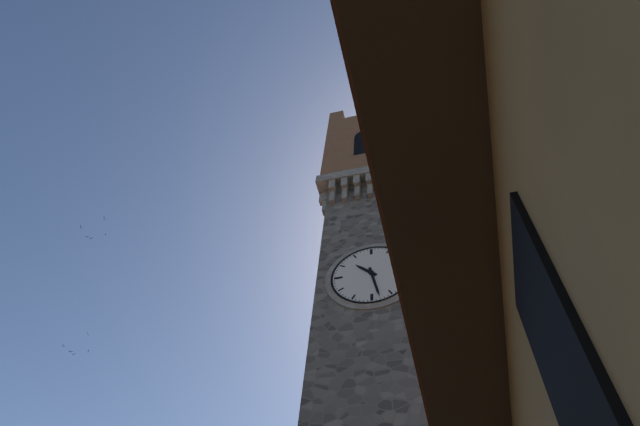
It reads 10h28
